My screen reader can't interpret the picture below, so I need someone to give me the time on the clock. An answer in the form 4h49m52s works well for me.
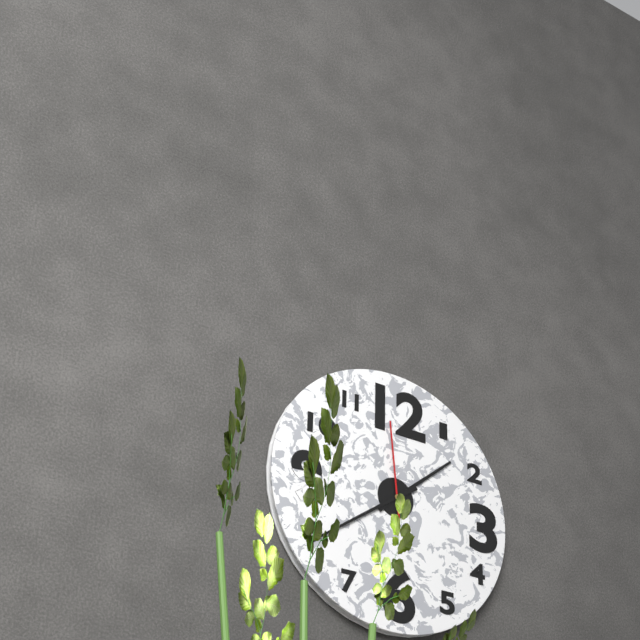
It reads 1h39m59s
